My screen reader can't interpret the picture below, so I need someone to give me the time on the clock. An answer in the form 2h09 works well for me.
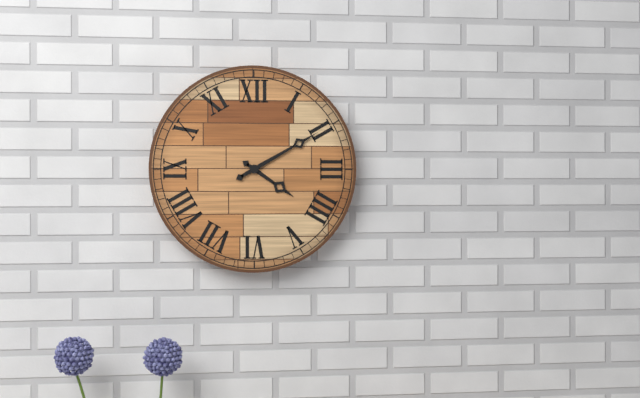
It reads 4h10
